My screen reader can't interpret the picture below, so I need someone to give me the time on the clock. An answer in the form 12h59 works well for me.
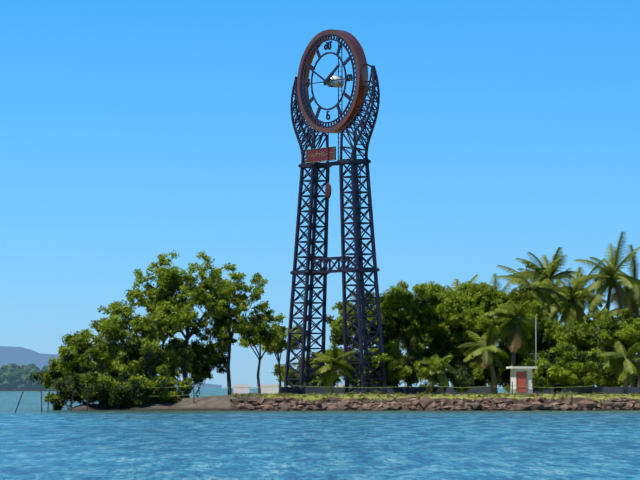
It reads 1h50
